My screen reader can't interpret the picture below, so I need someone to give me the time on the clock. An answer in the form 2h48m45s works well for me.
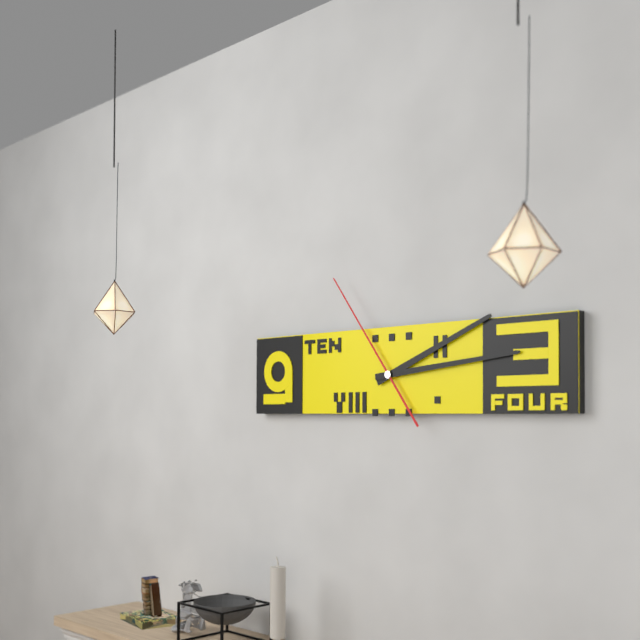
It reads 2h14m54s
